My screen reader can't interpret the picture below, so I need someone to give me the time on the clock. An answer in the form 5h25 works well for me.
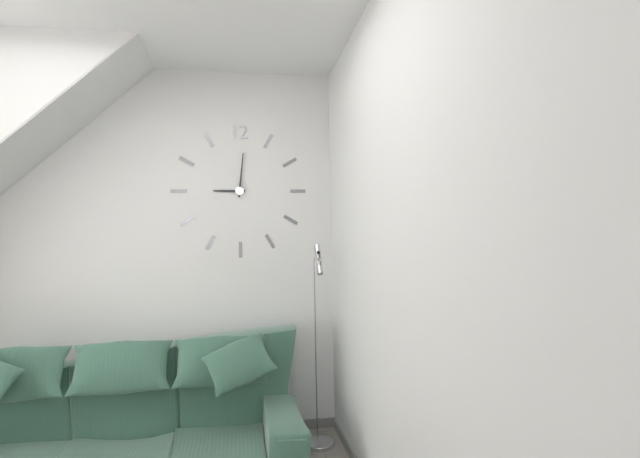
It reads 9h01
